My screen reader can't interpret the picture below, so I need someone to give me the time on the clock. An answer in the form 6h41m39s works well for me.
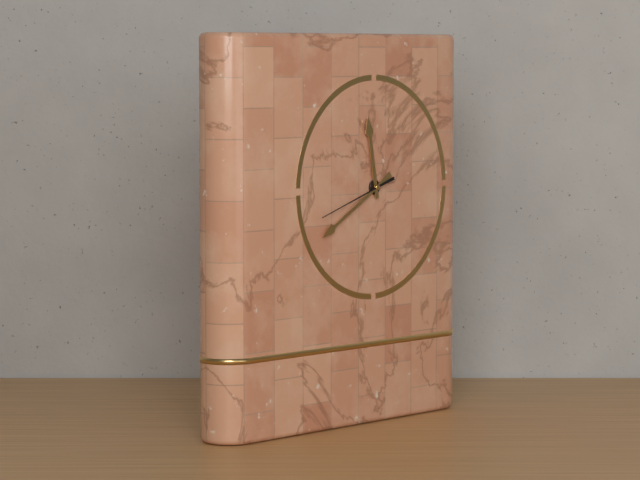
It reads 11h40m42s
